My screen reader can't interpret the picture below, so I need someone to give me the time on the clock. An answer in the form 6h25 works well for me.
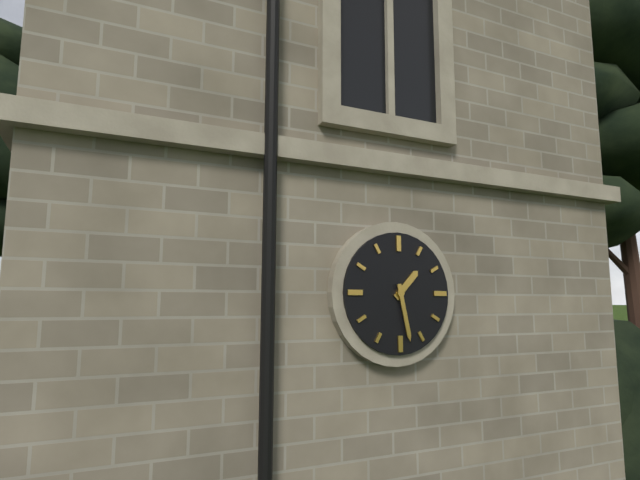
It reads 1h28
